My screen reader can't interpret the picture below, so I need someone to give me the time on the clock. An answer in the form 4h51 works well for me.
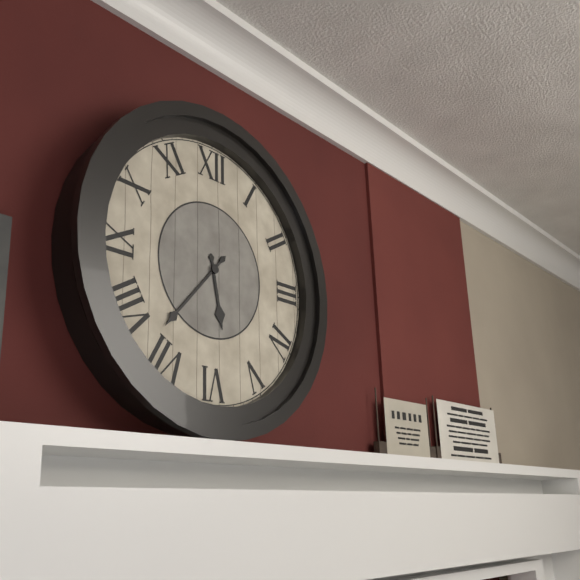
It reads 5h37
